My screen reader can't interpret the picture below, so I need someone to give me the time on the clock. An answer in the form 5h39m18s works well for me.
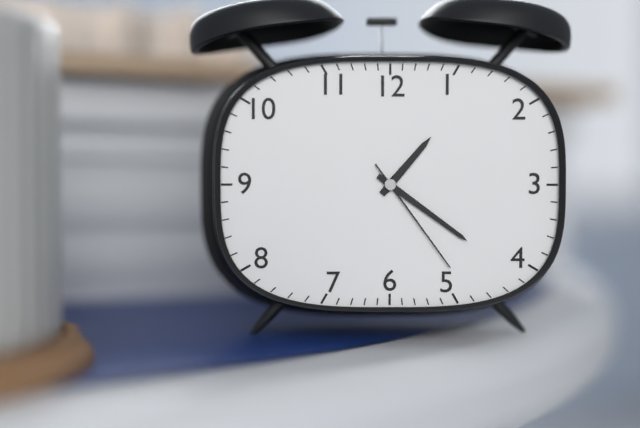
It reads 1h21m24s
